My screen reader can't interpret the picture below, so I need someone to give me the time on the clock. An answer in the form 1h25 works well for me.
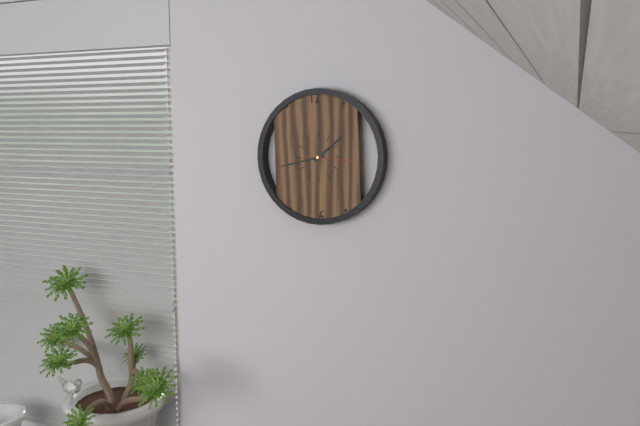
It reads 1h43
